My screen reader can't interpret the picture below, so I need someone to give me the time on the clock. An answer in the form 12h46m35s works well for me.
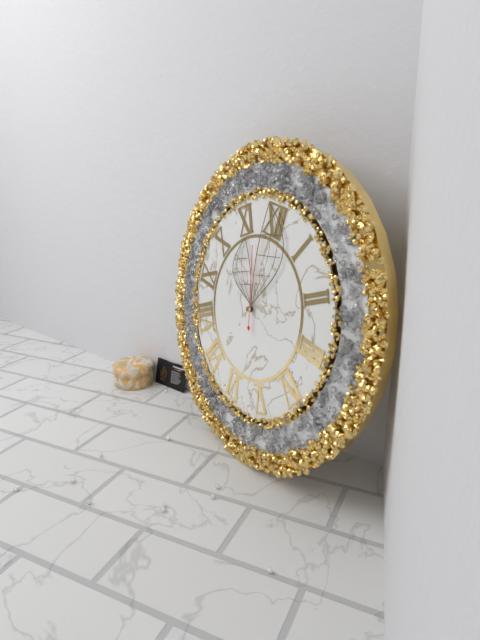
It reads 10h59m57s
